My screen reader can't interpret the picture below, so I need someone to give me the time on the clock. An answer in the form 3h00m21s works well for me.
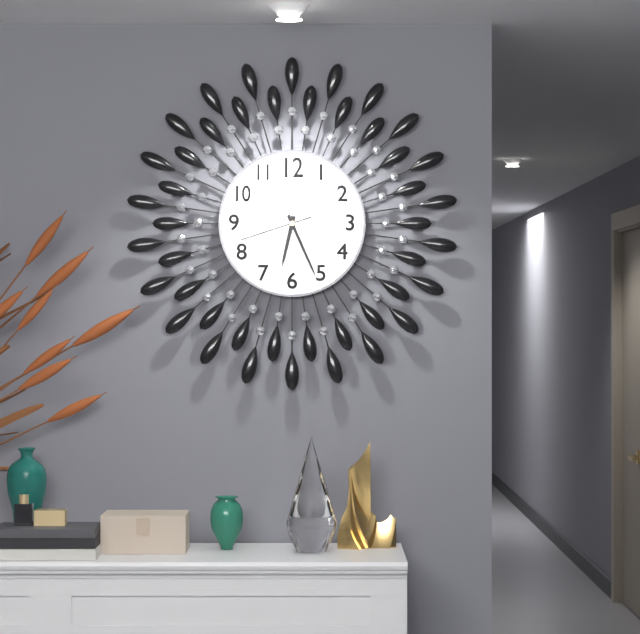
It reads 6h26m42s
